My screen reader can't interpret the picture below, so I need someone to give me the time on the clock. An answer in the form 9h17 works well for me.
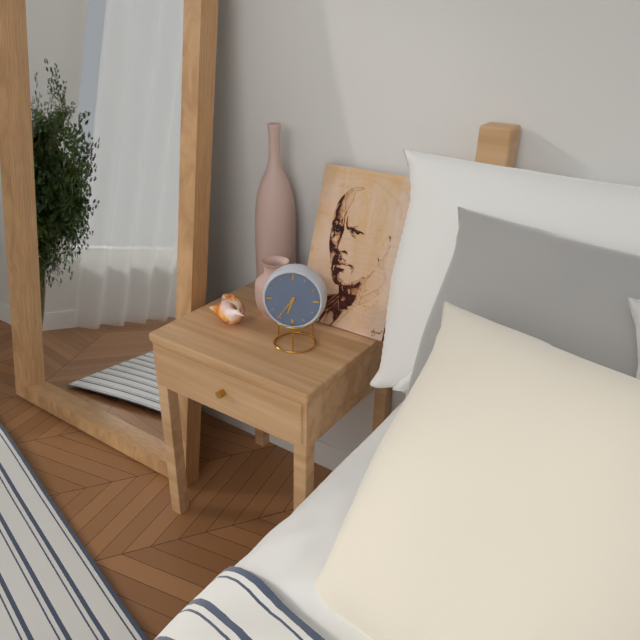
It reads 6h36
